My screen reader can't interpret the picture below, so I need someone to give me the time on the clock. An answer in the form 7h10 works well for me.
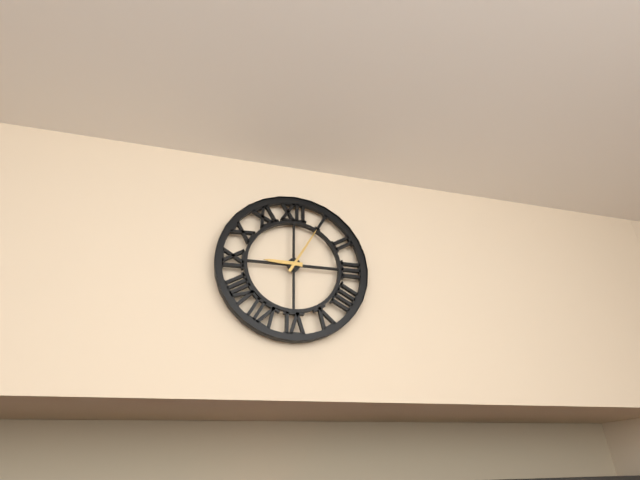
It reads 9h05
